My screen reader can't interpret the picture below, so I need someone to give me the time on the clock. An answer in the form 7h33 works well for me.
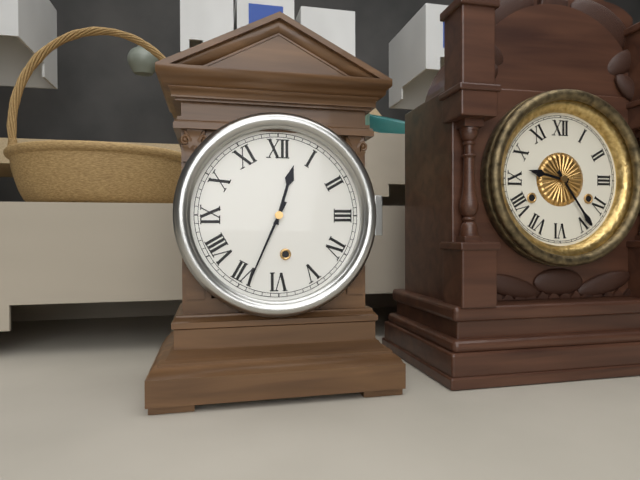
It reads 12h34
